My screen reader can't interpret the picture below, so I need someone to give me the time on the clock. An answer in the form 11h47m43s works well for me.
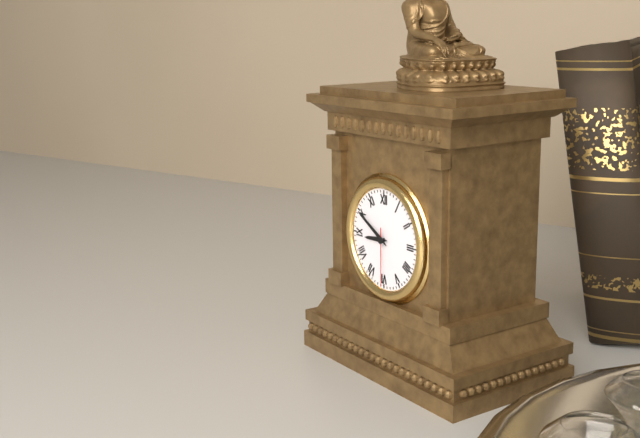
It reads 8h50m30s
